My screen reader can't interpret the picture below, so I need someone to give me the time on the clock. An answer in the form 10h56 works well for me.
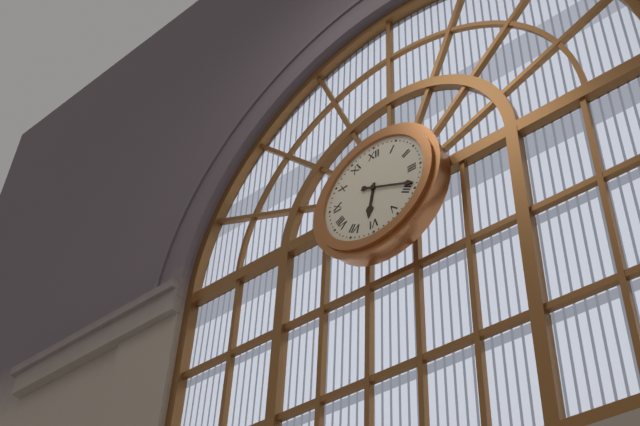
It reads 6h19
